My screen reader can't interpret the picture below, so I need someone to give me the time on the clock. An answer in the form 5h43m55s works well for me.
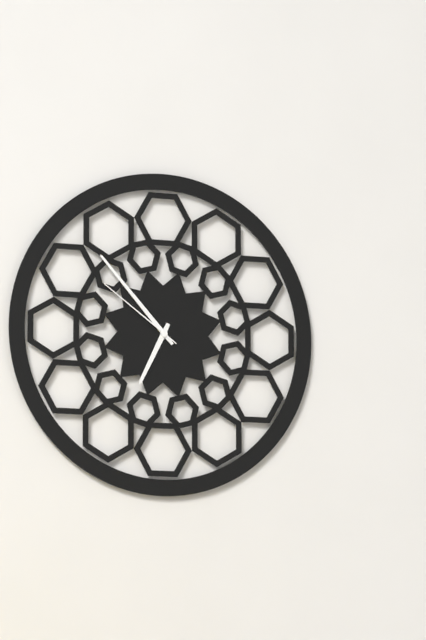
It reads 6h53m51s
